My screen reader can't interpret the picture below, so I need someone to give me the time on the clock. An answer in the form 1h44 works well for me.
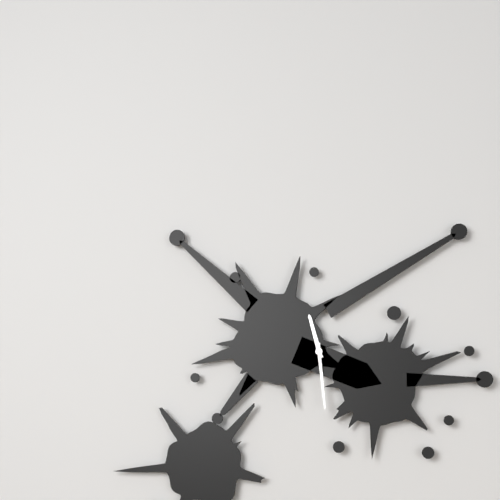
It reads 11h29
